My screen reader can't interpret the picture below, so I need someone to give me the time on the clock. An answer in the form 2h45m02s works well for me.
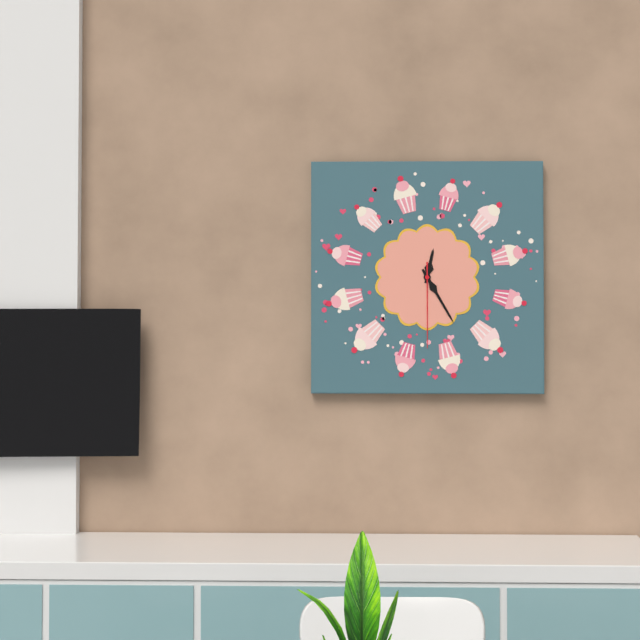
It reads 12h25m30s
